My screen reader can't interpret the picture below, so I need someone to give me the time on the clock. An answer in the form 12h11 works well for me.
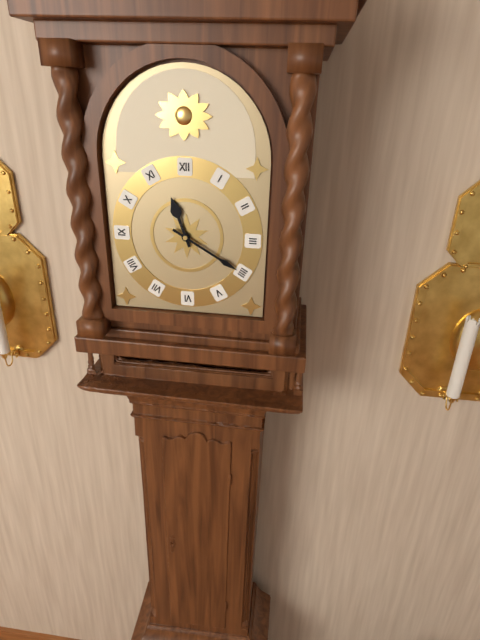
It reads 11h20
